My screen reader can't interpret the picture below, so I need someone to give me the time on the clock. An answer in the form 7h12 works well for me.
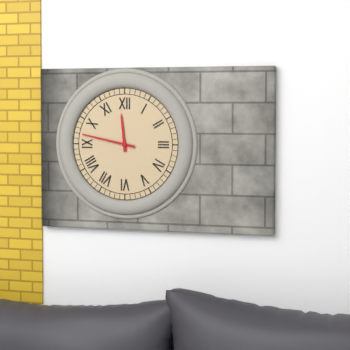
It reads 11h47
